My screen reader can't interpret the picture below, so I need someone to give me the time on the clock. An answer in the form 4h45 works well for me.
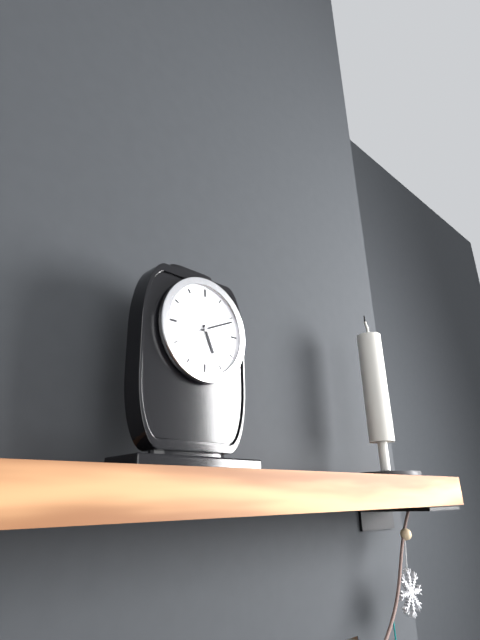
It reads 5h11
